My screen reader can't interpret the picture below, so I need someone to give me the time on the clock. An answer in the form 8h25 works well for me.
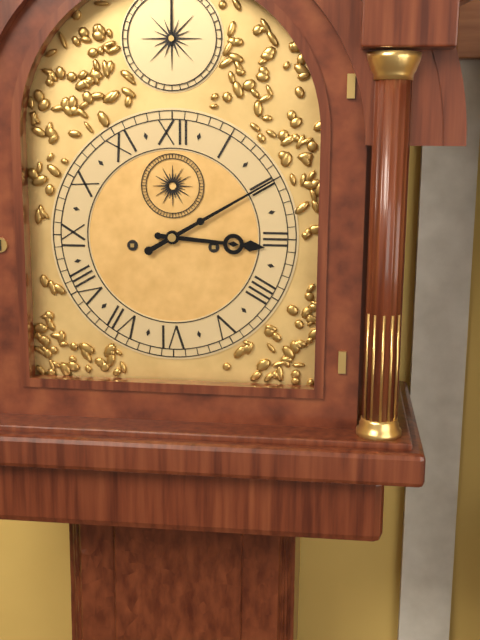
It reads 3h10
